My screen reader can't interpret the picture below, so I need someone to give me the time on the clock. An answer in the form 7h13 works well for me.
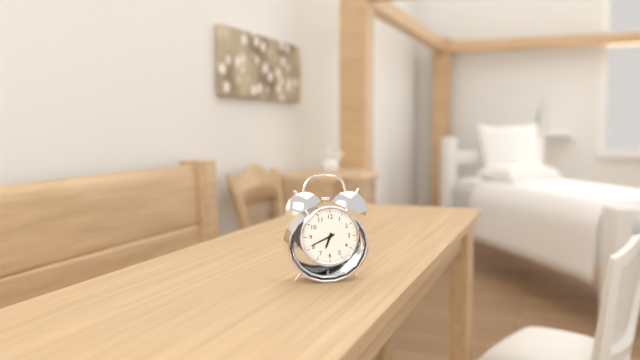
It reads 6h41
